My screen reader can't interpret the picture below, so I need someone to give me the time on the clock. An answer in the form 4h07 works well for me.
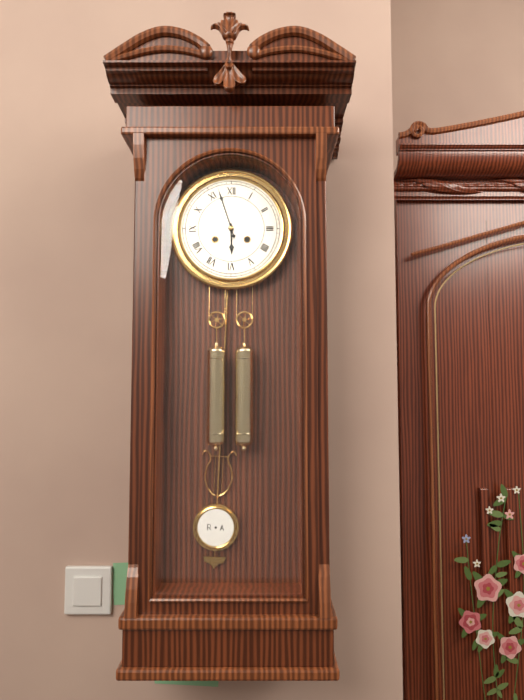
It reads 5h57
